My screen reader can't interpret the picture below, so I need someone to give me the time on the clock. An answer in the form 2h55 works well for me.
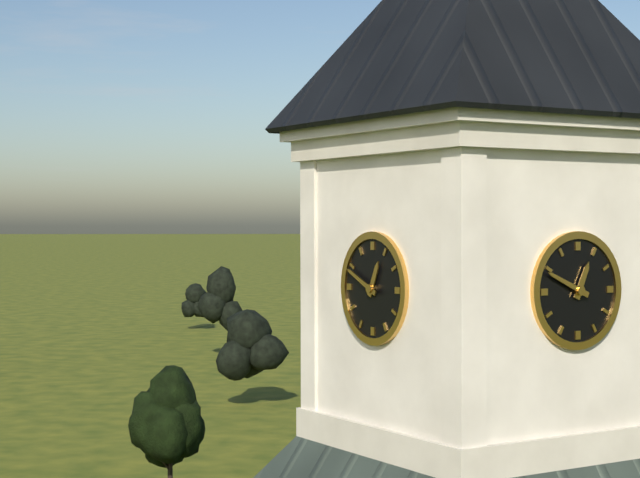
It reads 12h49
